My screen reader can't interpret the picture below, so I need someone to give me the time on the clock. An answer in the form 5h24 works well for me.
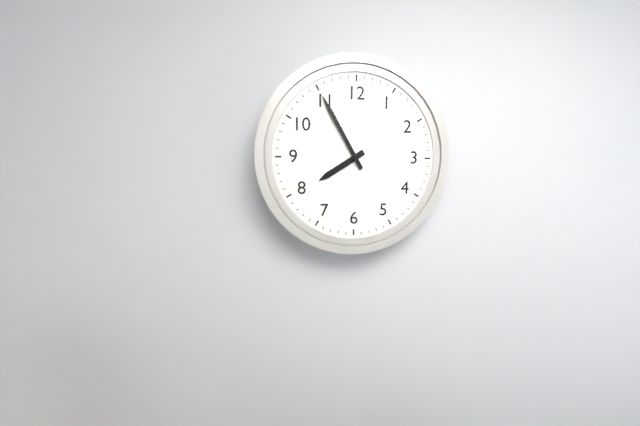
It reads 7h55
